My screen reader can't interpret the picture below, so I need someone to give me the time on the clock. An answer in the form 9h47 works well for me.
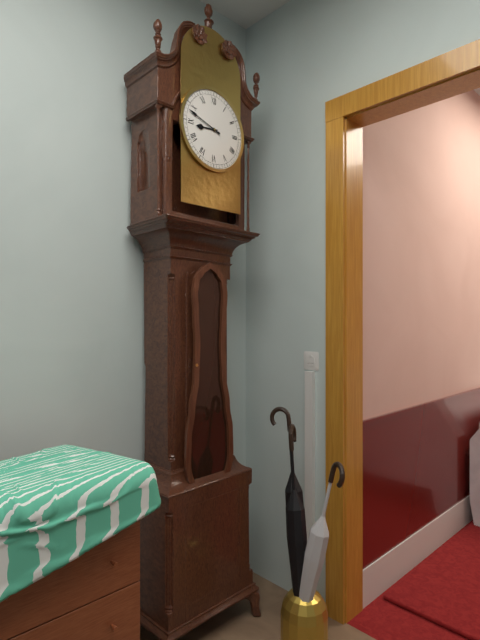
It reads 8h48
